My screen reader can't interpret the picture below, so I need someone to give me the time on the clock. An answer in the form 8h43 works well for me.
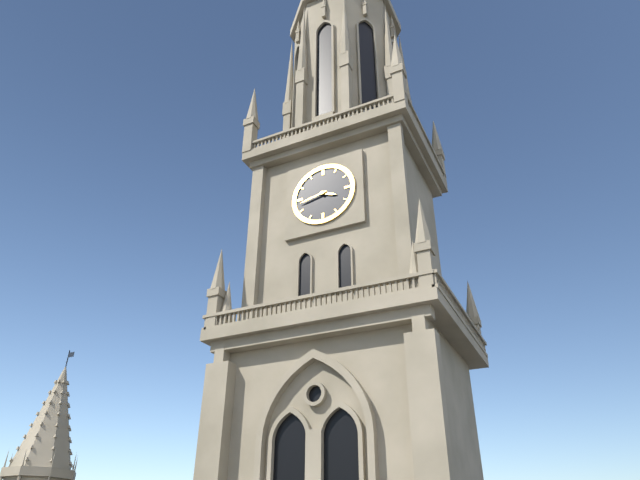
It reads 3h43
